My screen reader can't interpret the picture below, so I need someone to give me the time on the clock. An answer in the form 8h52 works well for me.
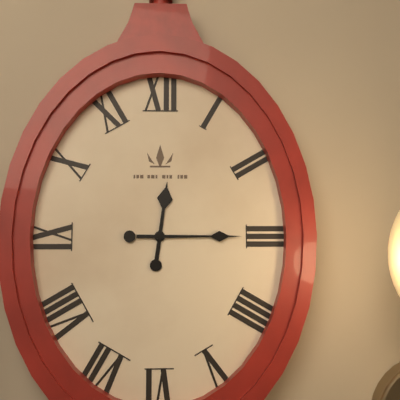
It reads 12h15
